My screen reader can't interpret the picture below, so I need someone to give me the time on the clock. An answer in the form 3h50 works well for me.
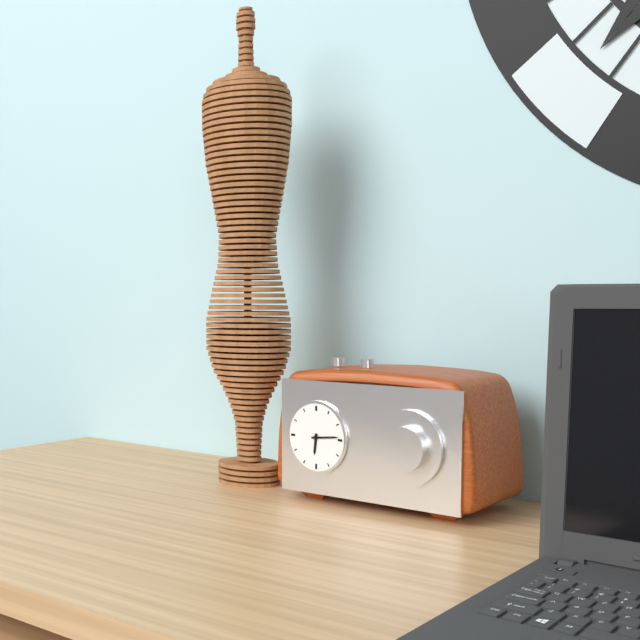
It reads 6h14
